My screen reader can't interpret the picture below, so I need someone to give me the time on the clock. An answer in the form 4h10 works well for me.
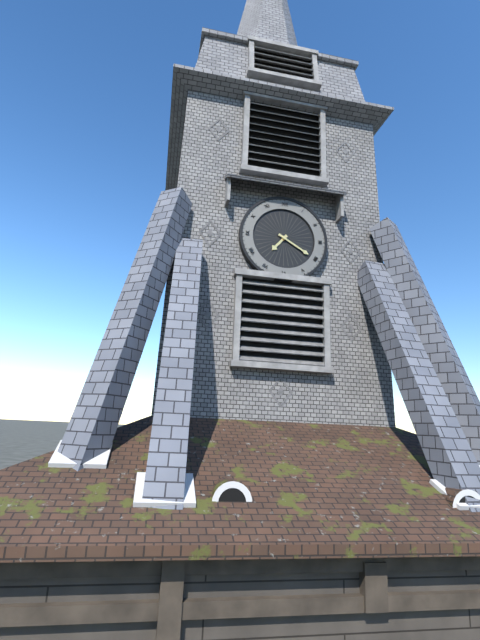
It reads 7h20
